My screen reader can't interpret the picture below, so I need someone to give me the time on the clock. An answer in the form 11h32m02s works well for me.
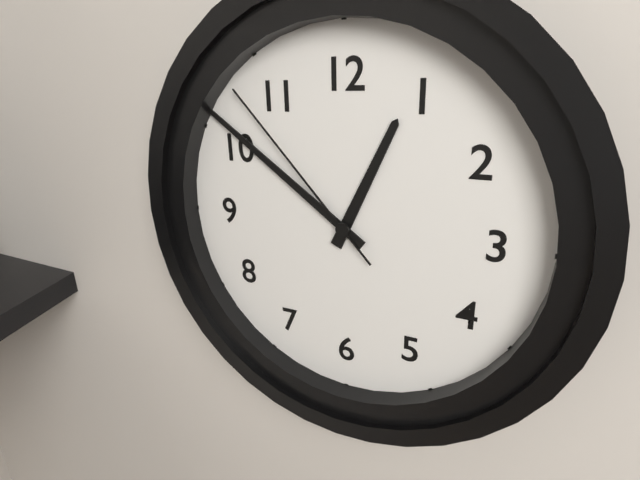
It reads 12h51m53s
